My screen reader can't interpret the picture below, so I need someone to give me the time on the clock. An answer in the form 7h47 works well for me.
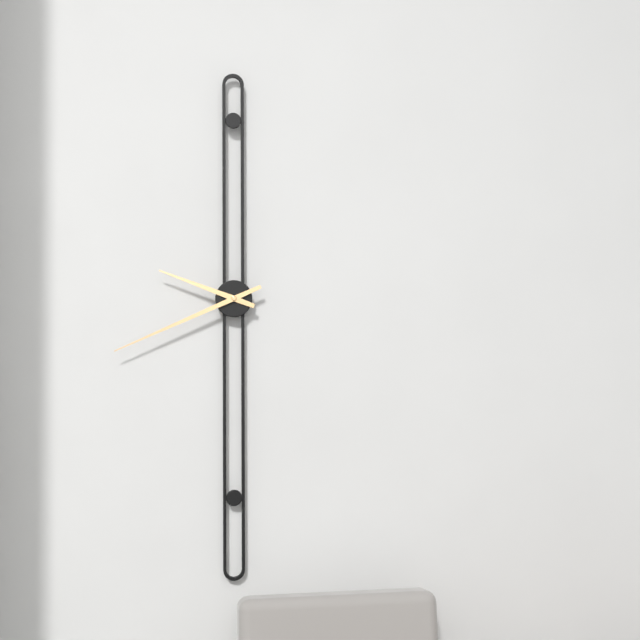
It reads 9h41
